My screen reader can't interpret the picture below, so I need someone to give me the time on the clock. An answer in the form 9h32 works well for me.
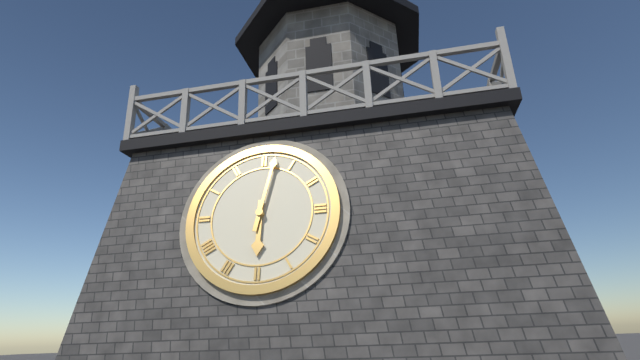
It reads 6h02
